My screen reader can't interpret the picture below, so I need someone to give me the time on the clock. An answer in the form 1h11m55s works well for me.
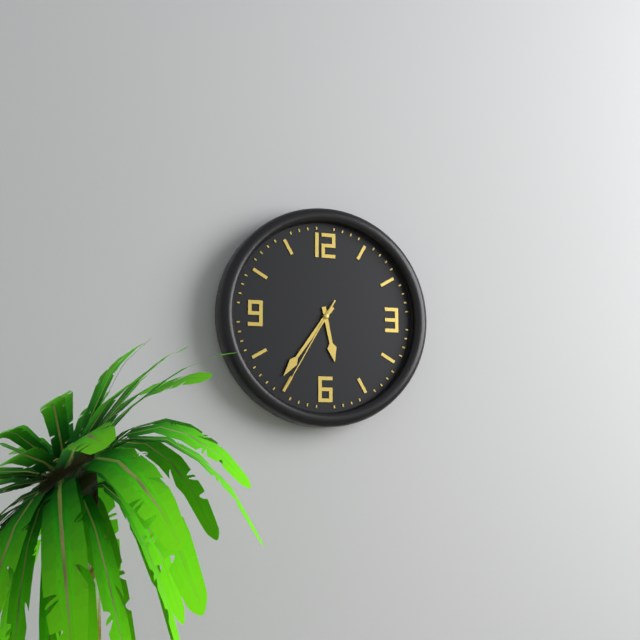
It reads 5h36m35s
